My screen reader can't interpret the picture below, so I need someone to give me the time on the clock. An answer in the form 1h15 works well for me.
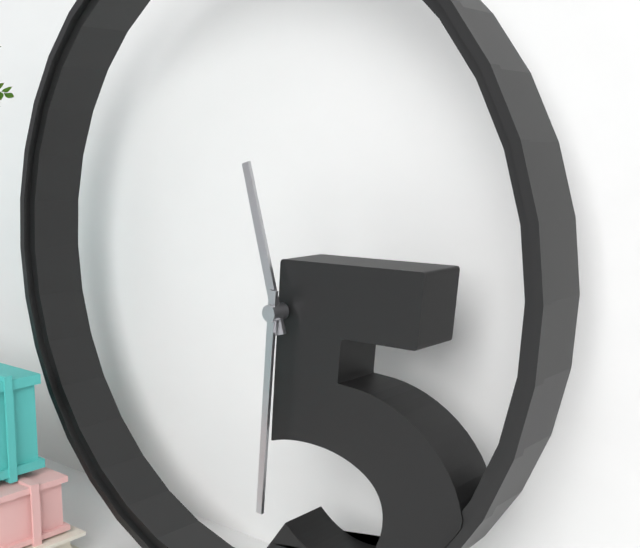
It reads 11h31
